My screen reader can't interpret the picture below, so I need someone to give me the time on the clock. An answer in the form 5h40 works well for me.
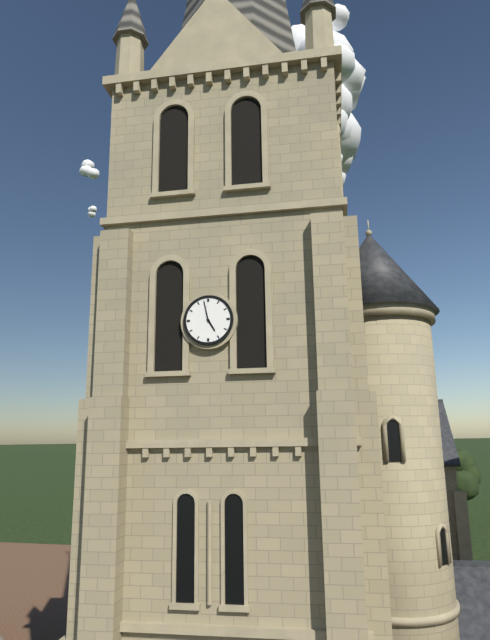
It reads 4h58
